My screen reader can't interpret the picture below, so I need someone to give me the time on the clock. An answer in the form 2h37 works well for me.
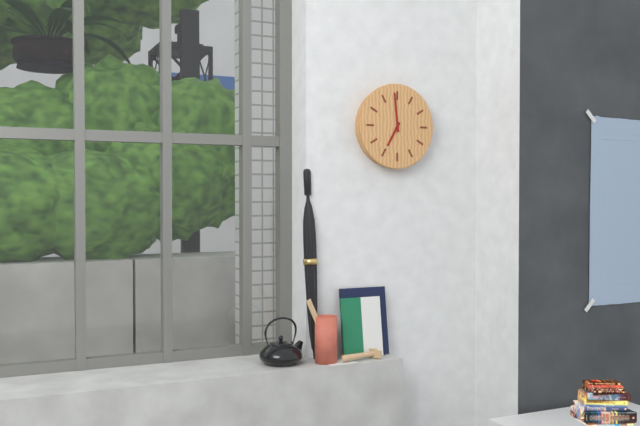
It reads 6h59
